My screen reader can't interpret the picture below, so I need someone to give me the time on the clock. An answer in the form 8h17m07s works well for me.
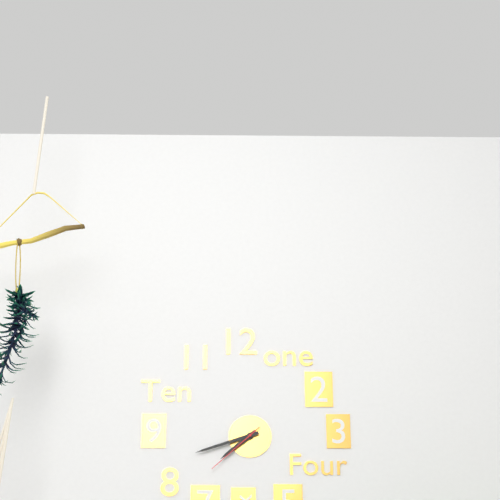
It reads 7h42m38s
